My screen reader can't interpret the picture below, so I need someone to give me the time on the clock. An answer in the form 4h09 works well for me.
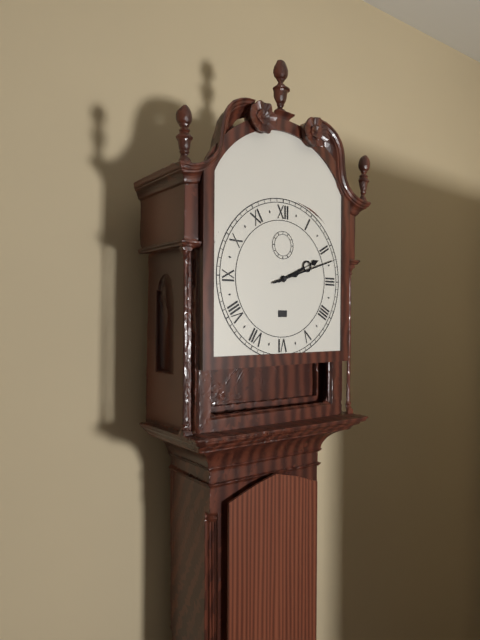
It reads 2h12
